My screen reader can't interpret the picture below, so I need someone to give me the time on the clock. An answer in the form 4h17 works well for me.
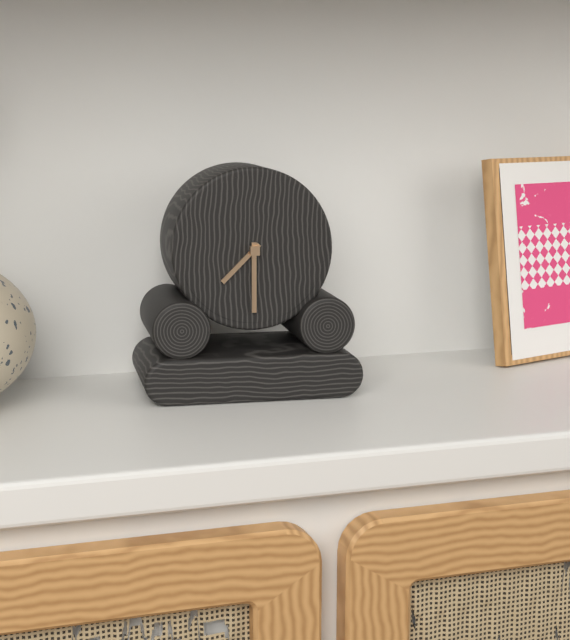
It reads 7h30
